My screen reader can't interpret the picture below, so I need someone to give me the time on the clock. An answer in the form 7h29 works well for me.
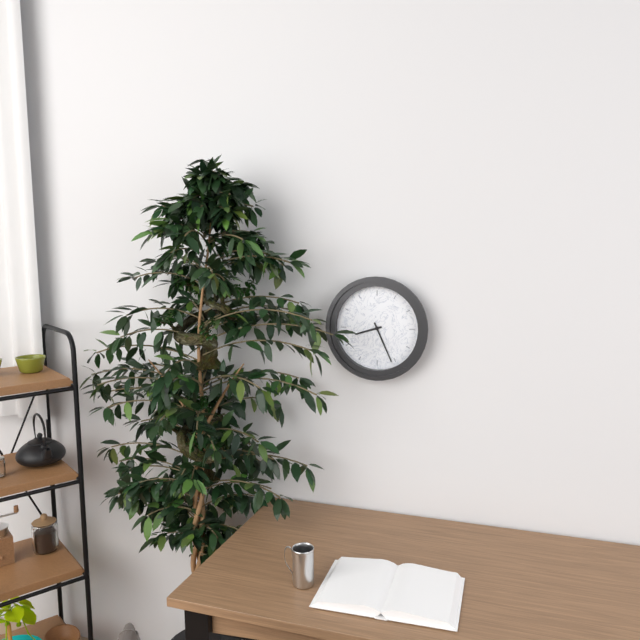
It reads 8h26
